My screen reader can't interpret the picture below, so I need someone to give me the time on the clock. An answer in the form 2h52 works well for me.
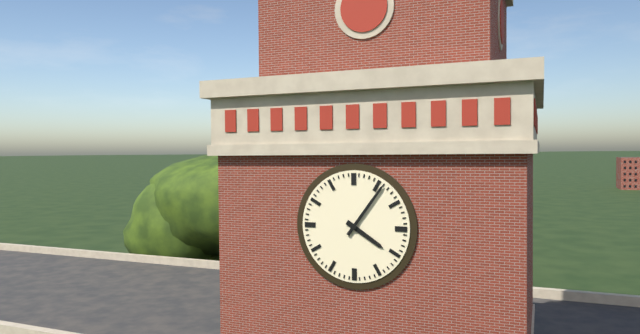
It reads 4h06
